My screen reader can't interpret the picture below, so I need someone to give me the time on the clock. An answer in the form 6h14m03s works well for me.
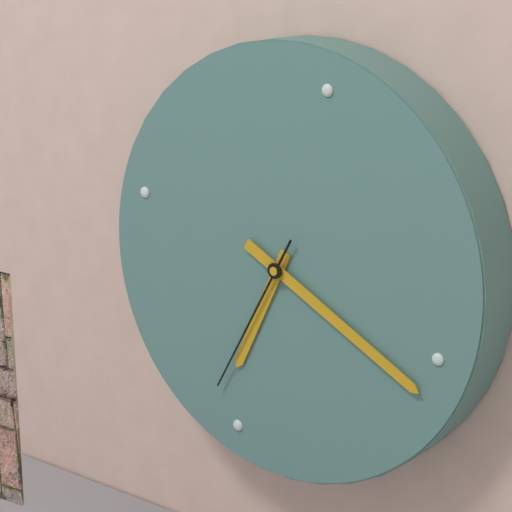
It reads 6h17m32s
